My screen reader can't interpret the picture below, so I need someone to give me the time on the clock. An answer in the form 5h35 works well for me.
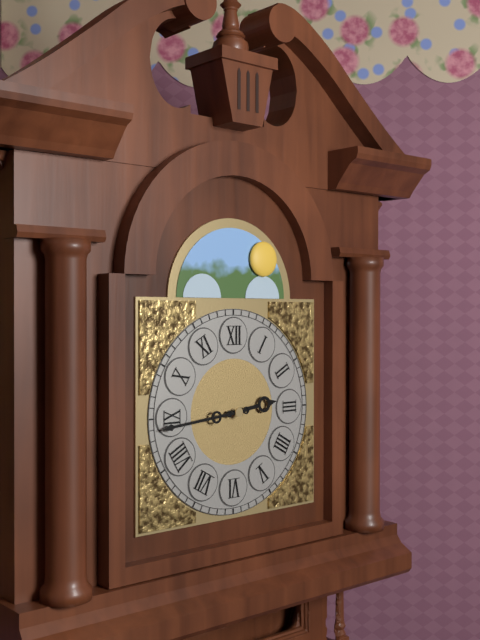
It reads 2h44
